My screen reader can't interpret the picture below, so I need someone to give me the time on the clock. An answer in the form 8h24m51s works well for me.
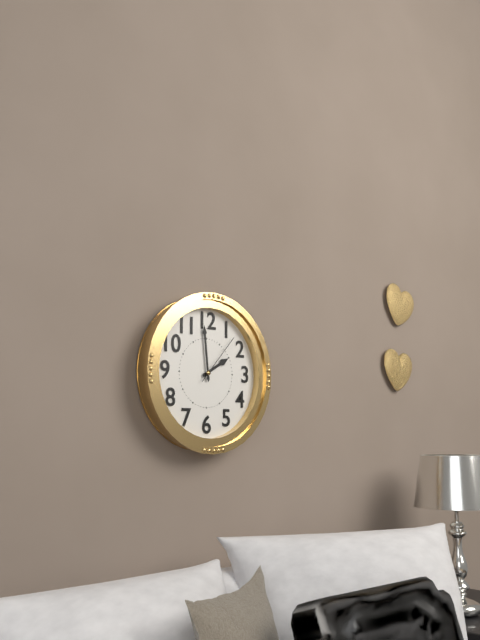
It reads 1h59m07s
